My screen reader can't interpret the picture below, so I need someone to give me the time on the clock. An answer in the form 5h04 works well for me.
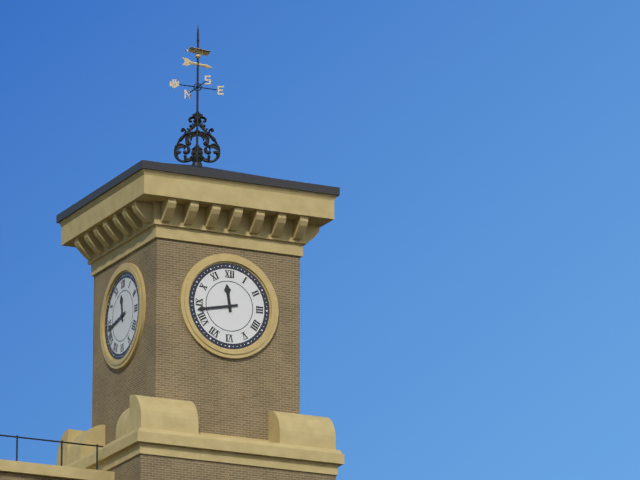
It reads 11h43
